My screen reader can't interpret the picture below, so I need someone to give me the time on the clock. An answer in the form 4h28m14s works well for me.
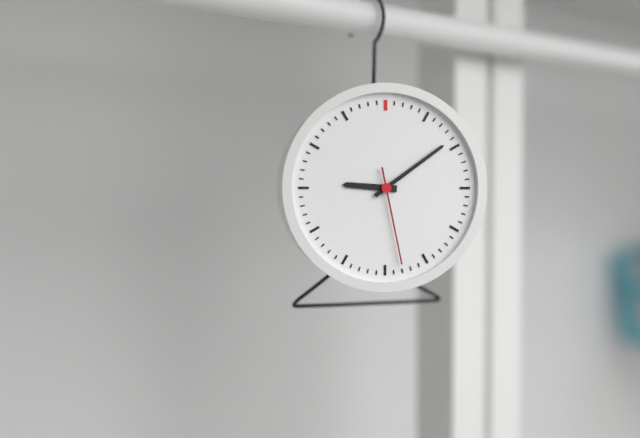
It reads 9h09m28s
